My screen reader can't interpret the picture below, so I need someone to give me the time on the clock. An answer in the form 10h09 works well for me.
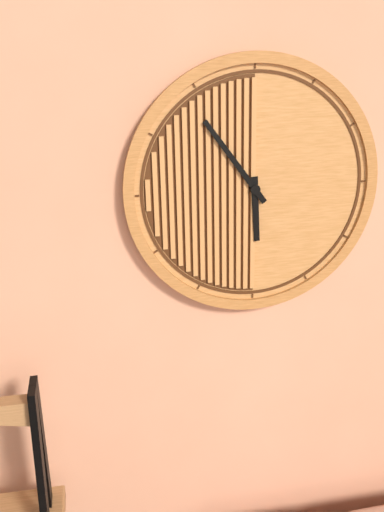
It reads 5h54
